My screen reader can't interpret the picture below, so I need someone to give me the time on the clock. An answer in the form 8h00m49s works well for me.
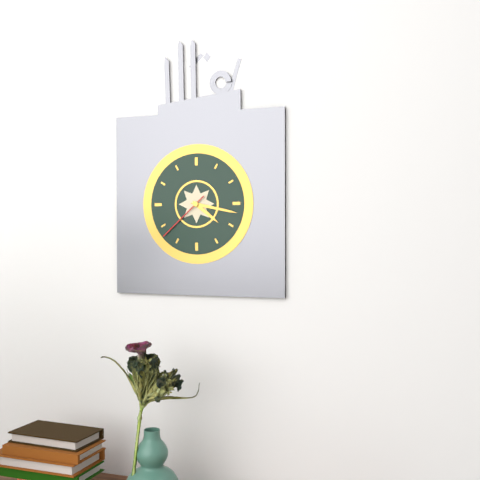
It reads 4h17m38s
